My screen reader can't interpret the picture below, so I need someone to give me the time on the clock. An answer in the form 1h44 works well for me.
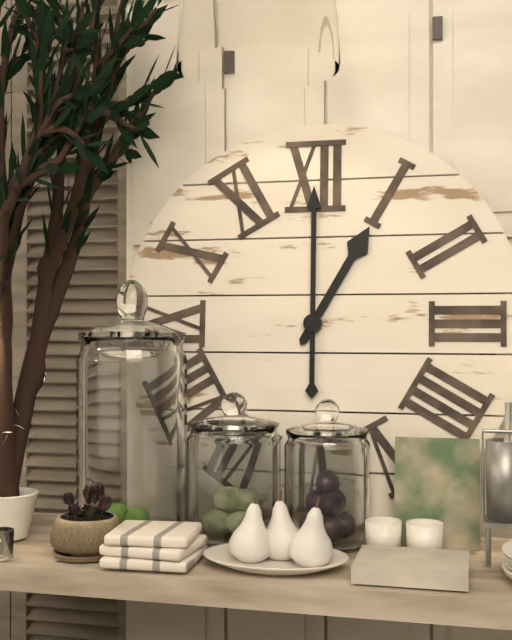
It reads 1h00
